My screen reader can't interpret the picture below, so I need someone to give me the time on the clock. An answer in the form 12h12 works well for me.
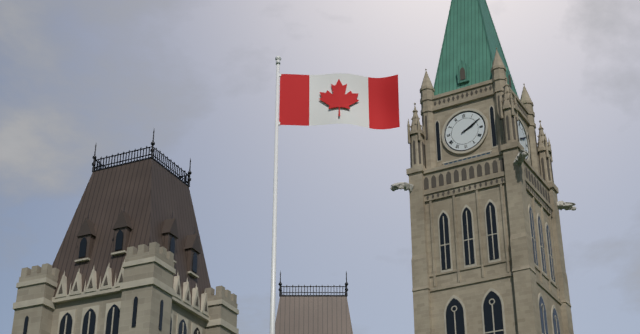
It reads 2h10
